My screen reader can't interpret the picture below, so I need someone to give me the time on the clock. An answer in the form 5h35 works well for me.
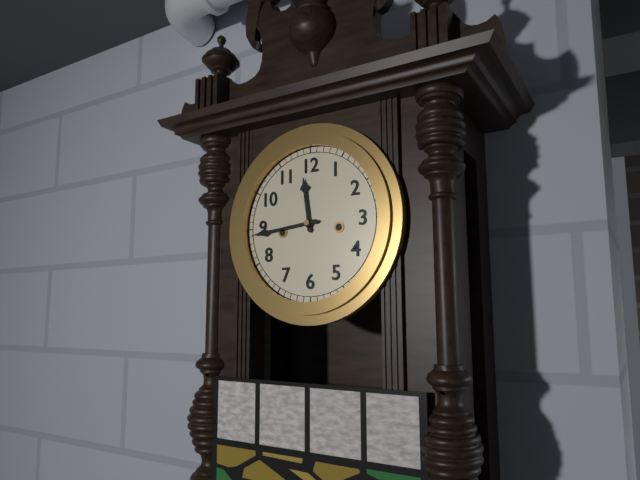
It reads 11h44
